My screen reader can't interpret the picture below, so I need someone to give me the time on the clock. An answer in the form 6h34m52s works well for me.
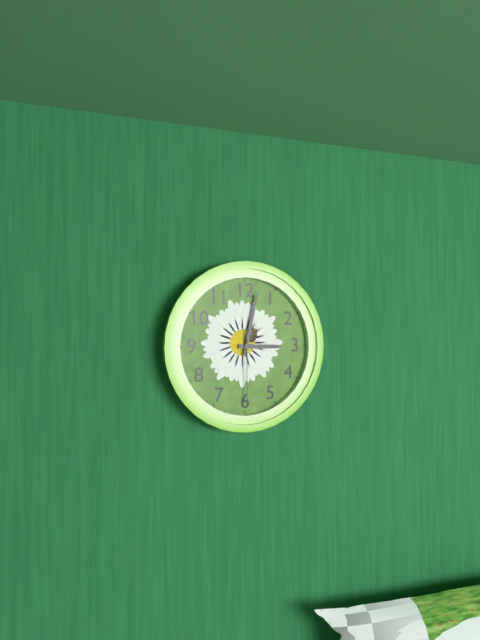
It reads 3h02m30s
